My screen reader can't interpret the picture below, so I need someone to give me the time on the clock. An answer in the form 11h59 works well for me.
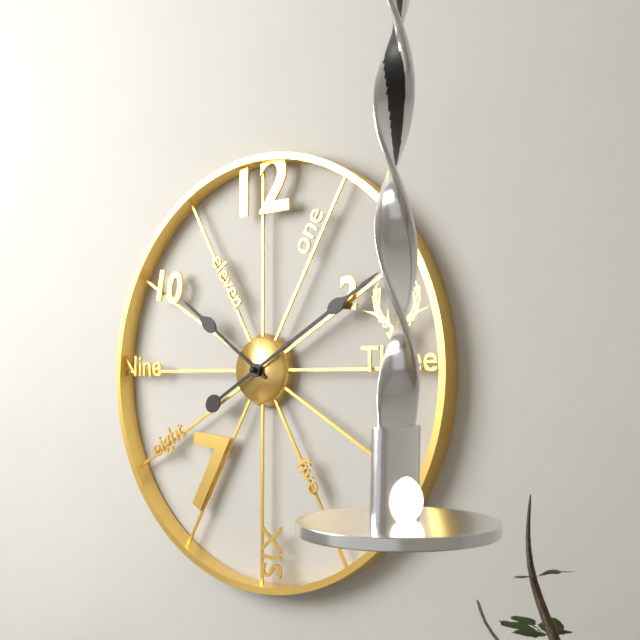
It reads 10h10
